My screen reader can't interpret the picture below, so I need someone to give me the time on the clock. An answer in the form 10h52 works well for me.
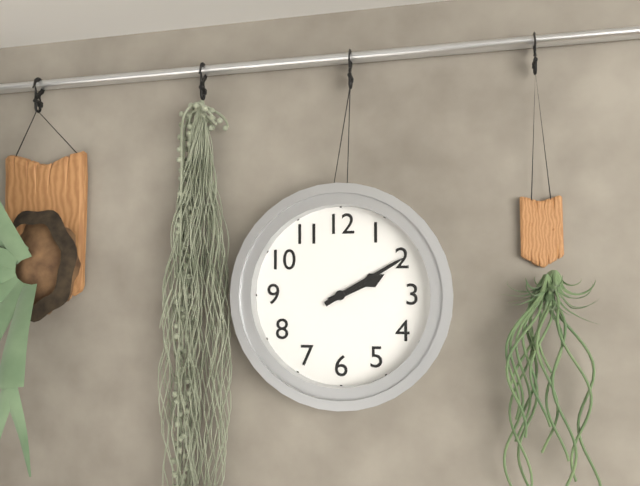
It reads 2h10
